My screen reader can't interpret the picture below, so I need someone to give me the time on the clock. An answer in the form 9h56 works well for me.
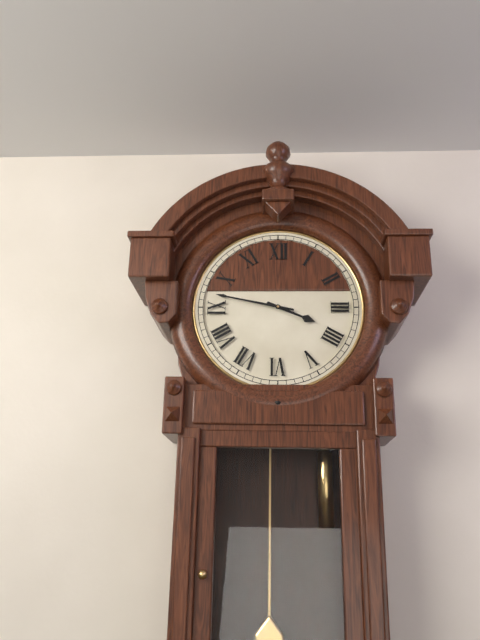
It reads 3h47
